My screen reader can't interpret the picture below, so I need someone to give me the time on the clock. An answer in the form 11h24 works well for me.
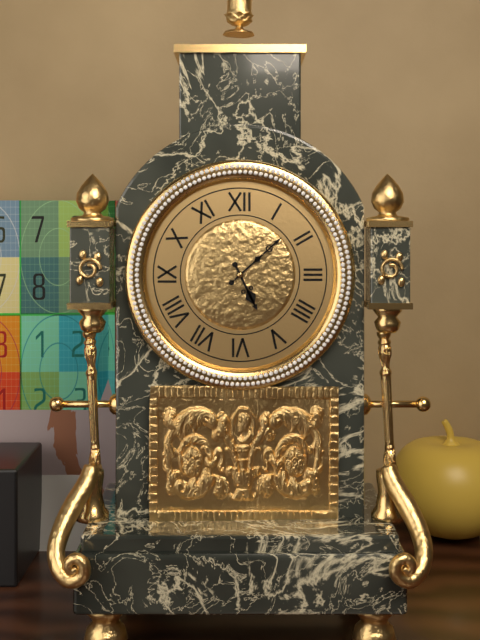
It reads 5h08
